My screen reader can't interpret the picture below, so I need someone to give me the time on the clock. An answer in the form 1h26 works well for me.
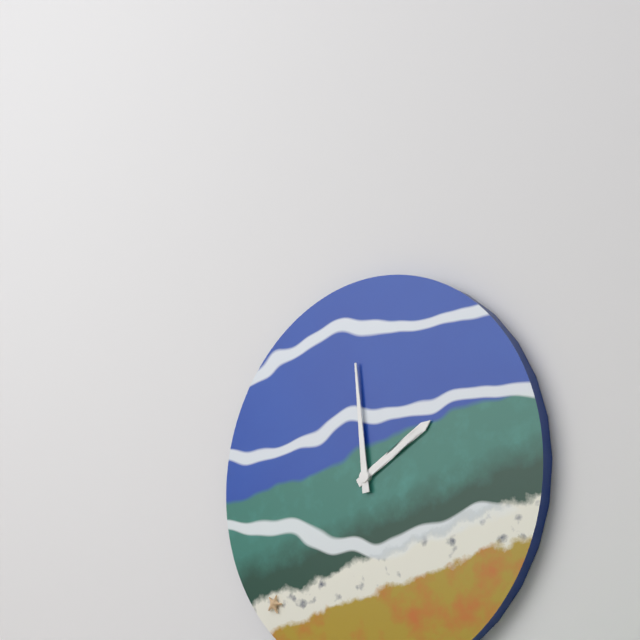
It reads 1h59
